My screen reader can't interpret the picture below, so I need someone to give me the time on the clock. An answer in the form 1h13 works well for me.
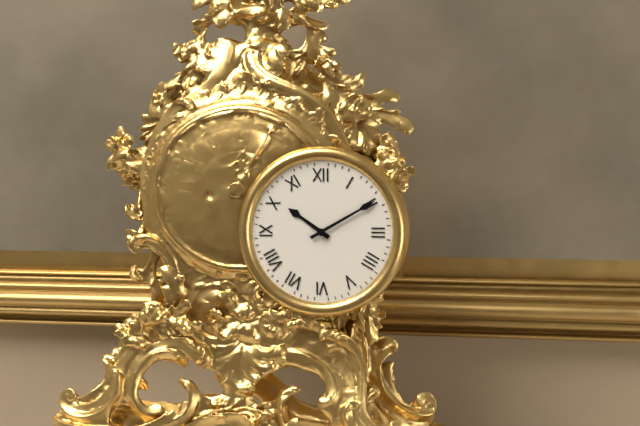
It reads 10h10
